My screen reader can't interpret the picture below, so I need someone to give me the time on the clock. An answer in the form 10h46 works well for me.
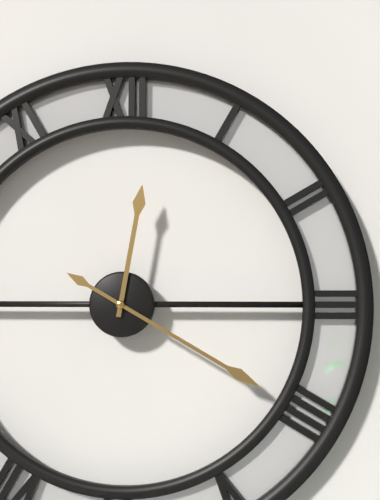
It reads 12h20
